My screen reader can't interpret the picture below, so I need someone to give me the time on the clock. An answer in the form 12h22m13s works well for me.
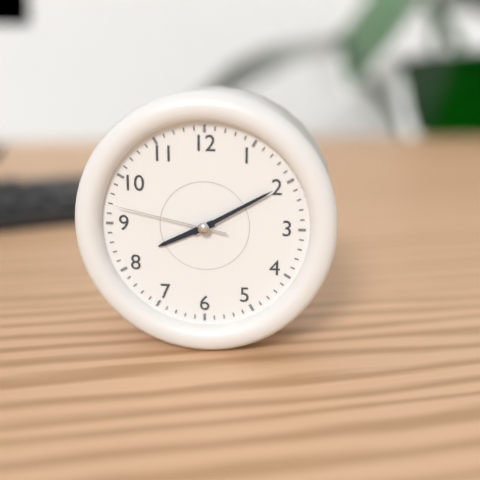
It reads 8h10m47s
